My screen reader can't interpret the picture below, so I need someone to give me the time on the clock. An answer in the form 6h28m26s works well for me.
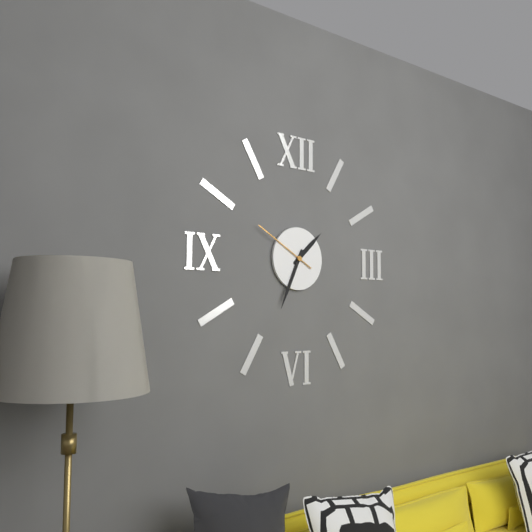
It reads 1h34m50s
